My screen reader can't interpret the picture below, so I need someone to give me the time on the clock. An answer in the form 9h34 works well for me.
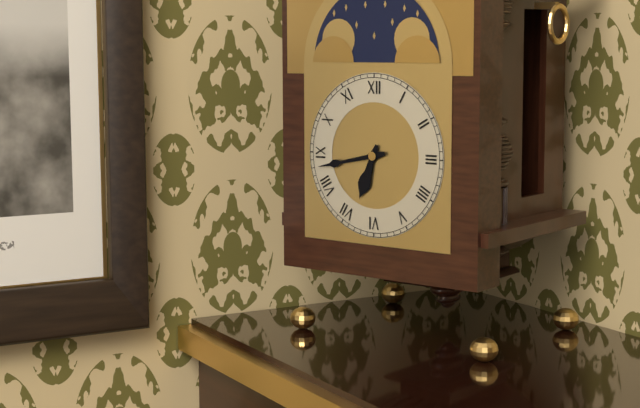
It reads 6h43
